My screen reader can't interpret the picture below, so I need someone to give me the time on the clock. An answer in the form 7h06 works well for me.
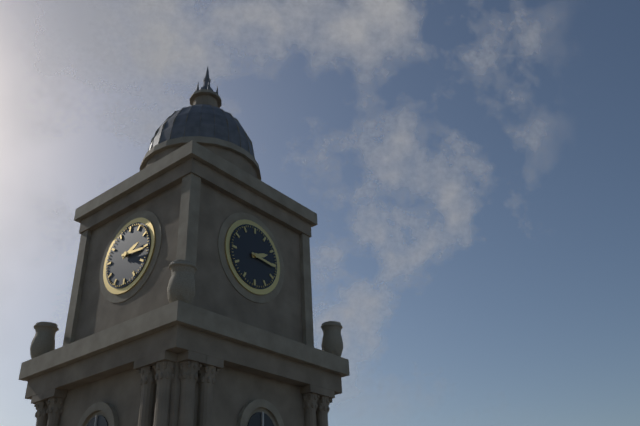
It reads 2h16
